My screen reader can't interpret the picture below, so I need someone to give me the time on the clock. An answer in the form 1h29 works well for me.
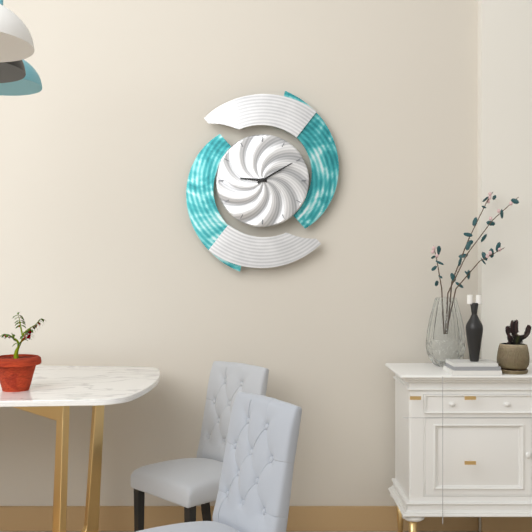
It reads 9h10
